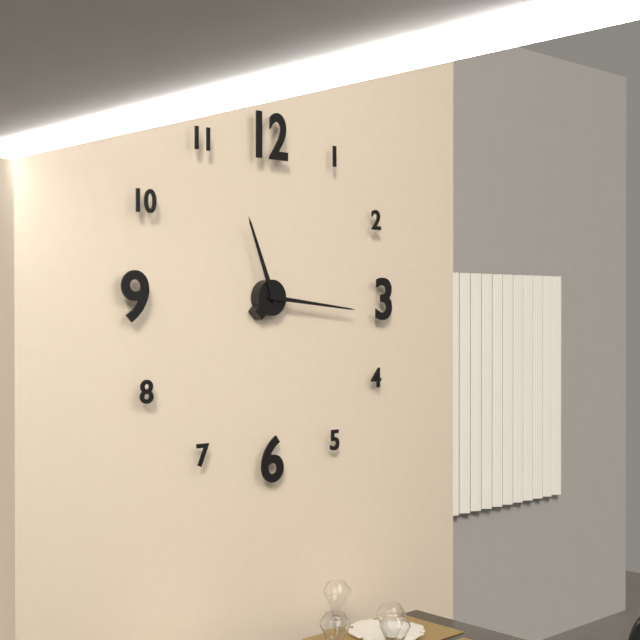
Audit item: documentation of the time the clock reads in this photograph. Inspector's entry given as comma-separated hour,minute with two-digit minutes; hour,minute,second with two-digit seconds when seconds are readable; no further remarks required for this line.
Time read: 11,16
